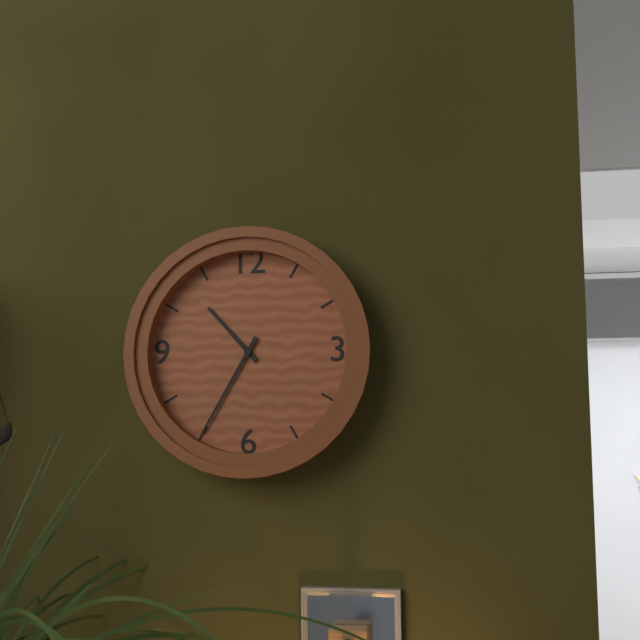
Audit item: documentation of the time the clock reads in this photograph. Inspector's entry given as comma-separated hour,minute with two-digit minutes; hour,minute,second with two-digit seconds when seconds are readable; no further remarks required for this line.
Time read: 10,35
